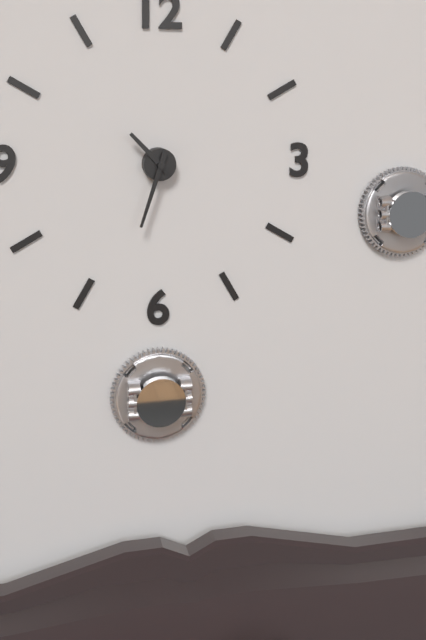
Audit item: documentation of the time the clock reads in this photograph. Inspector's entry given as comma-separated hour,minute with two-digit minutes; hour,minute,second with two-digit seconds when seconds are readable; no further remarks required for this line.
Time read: 10,33
